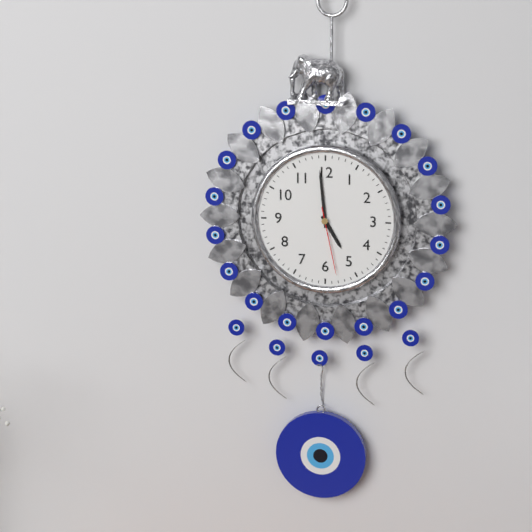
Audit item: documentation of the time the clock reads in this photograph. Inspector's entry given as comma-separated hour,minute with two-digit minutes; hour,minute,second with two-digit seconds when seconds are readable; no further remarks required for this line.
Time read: 4,59,28
